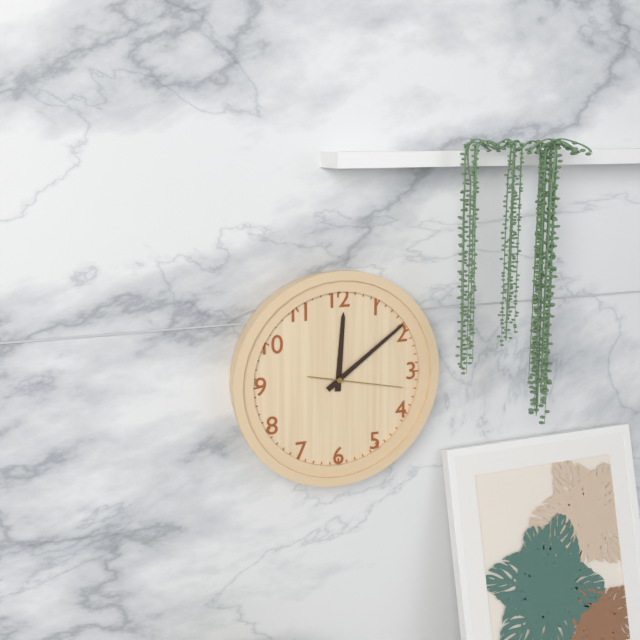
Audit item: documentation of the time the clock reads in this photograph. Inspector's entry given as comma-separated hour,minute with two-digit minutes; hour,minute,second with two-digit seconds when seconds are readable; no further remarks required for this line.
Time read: 12,09,17
